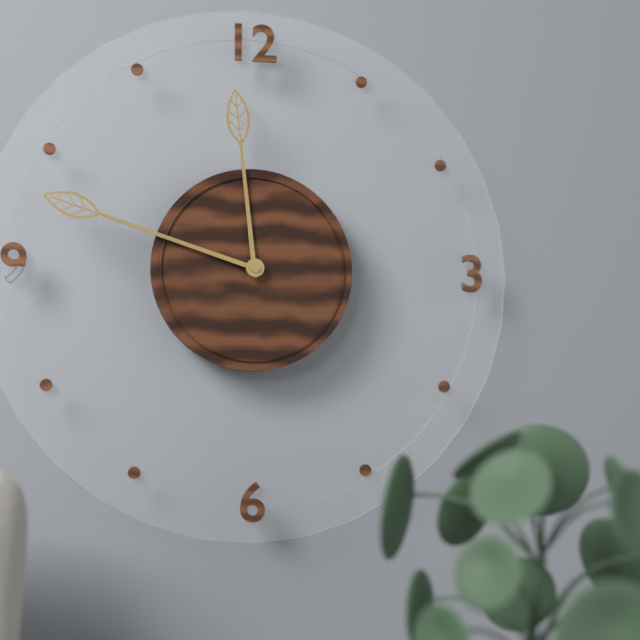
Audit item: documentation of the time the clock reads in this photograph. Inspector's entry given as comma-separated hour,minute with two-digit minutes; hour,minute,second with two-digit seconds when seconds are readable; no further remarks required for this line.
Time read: 11,48
